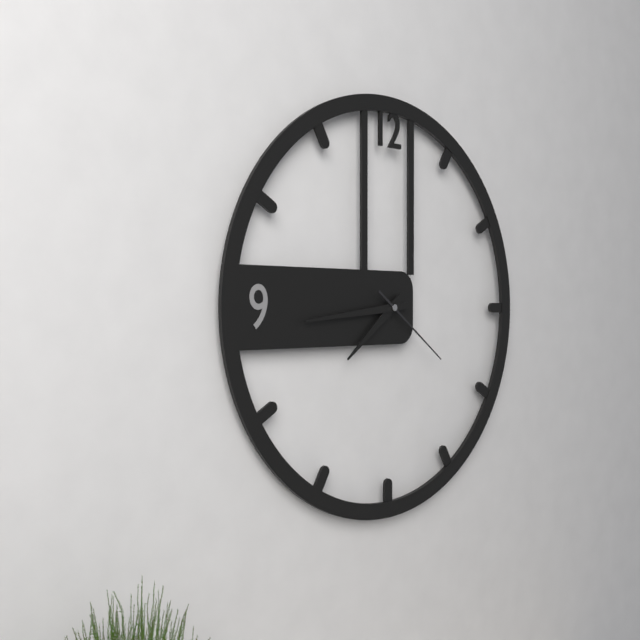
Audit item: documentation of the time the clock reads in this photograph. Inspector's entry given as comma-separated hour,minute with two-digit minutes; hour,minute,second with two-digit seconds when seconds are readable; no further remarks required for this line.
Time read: 7,44,21
